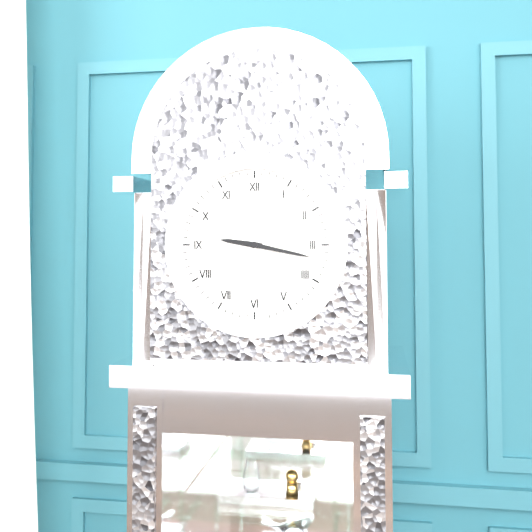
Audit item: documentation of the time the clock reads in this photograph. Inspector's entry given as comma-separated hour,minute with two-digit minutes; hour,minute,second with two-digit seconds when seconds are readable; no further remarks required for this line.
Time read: 9,17
